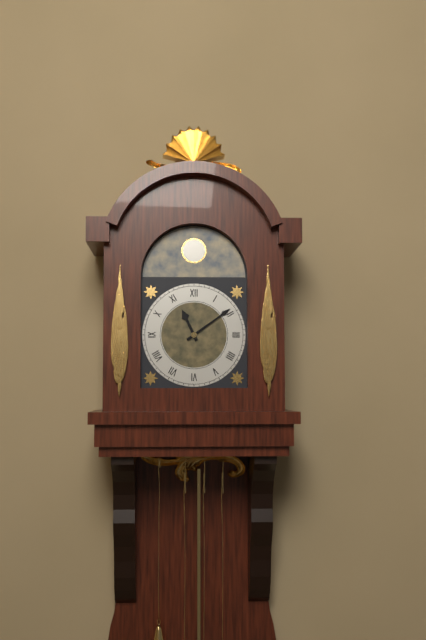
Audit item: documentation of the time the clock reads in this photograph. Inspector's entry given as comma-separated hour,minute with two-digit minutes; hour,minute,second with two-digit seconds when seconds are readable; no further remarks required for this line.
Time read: 11,09
